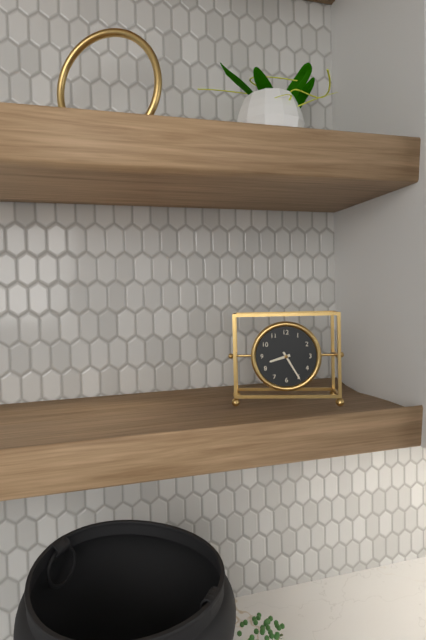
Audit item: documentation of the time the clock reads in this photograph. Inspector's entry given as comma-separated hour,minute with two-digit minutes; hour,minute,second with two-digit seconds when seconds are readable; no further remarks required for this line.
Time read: 8,25
